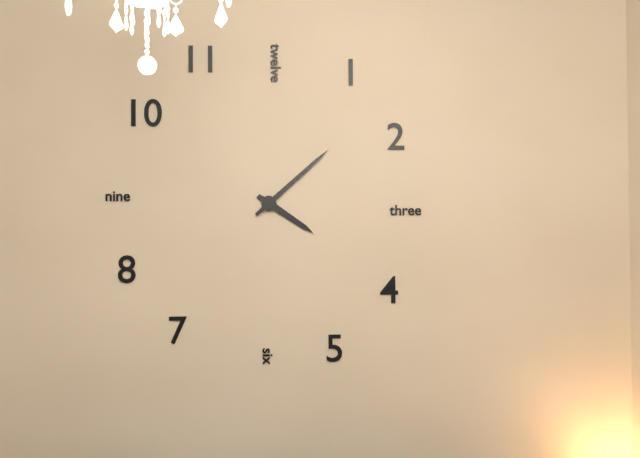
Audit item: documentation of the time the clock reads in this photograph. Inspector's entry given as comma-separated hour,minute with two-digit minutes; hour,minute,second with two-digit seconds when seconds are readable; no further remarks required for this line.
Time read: 4,08
